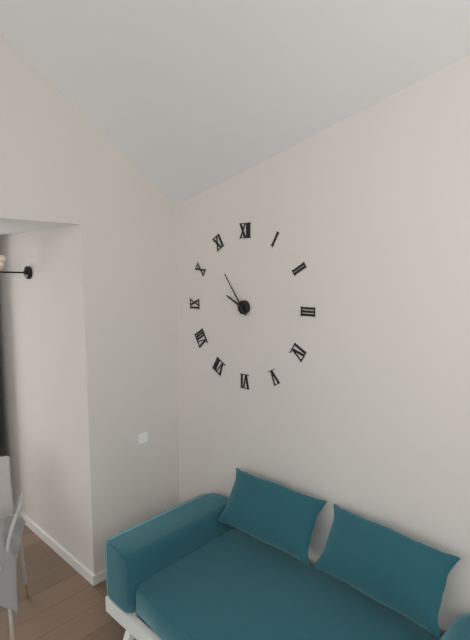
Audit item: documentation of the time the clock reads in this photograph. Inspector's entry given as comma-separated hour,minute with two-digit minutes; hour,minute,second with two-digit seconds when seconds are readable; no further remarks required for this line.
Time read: 9,54
